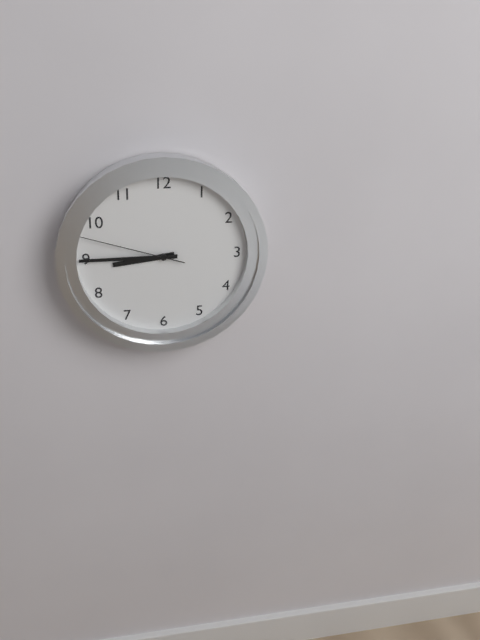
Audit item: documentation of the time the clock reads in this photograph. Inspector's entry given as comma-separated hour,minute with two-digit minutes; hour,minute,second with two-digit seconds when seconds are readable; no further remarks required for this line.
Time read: 8,45,48
